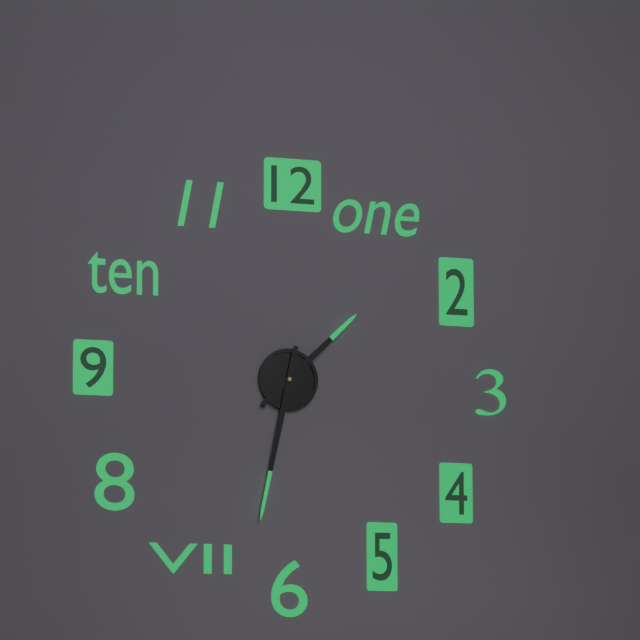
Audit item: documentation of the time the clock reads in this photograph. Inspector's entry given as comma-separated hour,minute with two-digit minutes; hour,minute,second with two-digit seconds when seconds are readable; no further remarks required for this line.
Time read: 1,32
